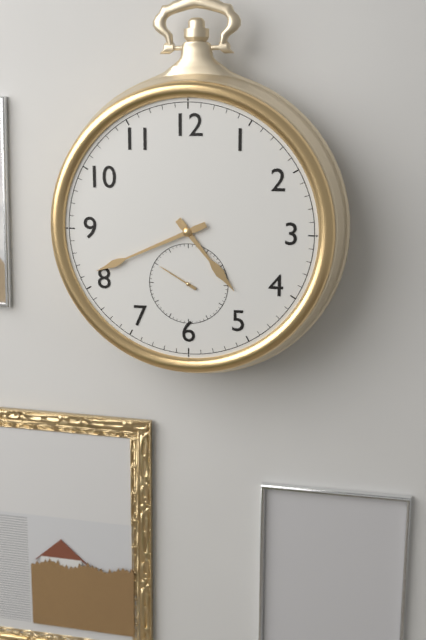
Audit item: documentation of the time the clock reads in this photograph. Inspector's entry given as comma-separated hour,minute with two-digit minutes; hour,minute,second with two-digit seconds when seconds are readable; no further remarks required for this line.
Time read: 4,41
